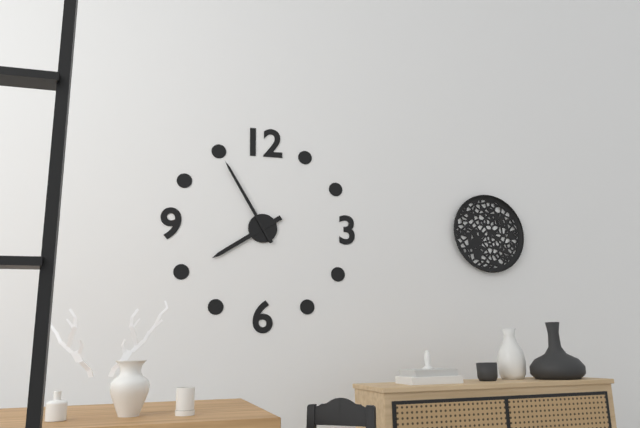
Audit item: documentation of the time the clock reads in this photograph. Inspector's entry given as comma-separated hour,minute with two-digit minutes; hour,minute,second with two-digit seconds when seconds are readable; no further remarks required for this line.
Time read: 7,55
